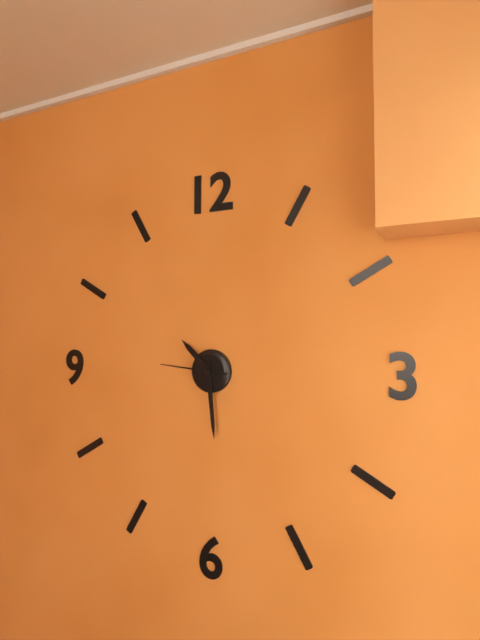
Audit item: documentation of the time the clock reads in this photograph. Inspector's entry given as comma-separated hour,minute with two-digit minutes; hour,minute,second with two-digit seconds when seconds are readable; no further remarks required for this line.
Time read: 10,29,46
